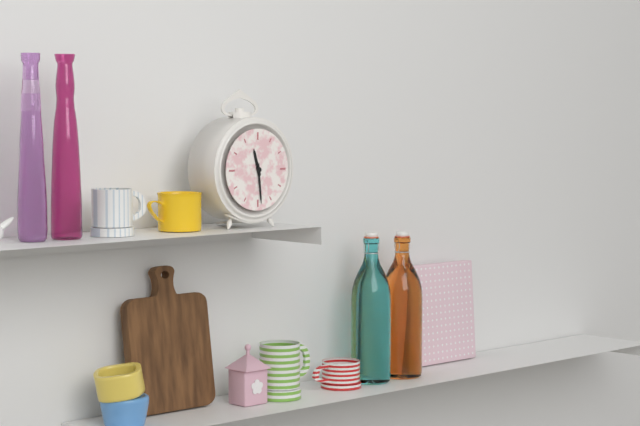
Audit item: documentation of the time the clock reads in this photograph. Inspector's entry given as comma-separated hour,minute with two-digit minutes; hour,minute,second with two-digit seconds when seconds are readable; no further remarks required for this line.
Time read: 11,29
